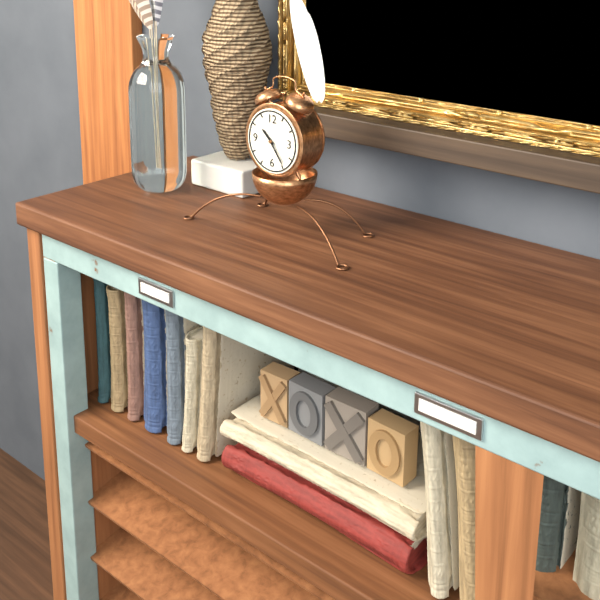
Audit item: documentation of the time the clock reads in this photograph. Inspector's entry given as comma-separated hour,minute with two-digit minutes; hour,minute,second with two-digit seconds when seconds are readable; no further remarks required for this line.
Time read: 10,24
